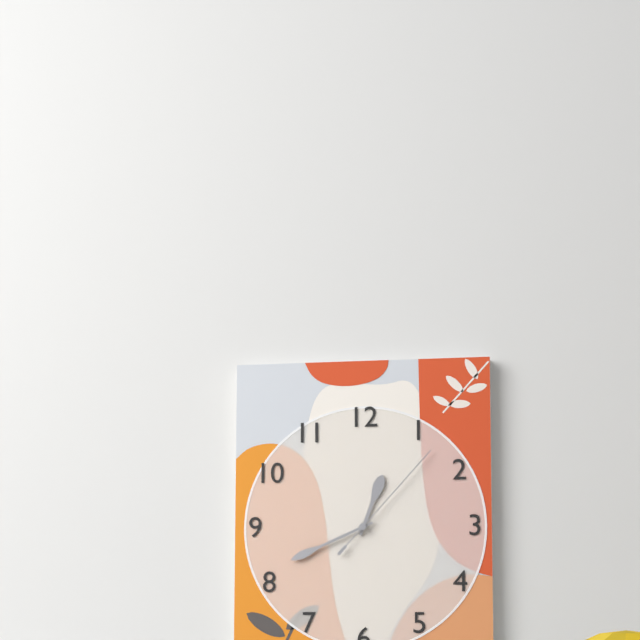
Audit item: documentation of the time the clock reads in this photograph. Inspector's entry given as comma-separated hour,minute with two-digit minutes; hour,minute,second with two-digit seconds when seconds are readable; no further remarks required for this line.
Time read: 12,41,07
